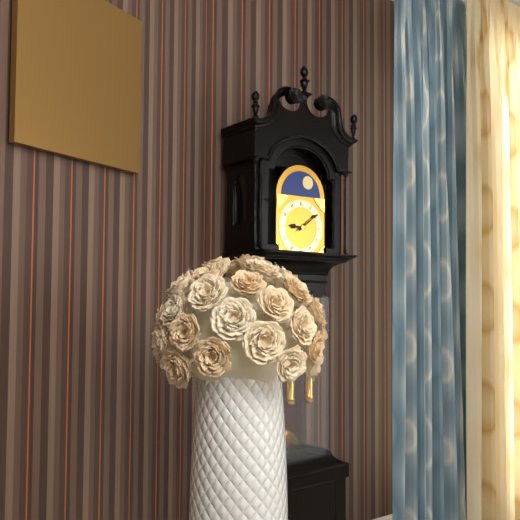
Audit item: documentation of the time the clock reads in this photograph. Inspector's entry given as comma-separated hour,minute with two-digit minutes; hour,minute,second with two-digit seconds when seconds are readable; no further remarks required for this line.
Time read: 9,09
